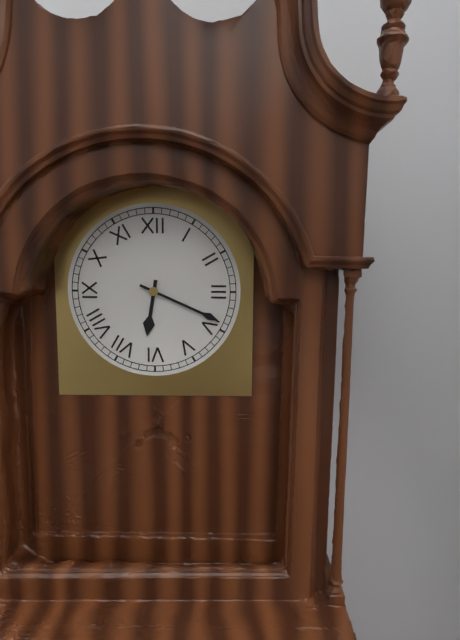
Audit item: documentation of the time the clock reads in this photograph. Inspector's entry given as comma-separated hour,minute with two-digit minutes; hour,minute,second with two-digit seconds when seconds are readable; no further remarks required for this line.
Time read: 6,19
